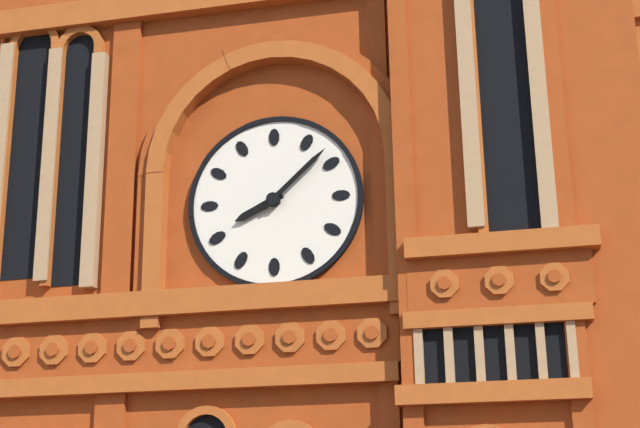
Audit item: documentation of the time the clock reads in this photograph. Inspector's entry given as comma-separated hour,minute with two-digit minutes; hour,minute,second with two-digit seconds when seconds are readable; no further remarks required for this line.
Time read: 8,08
